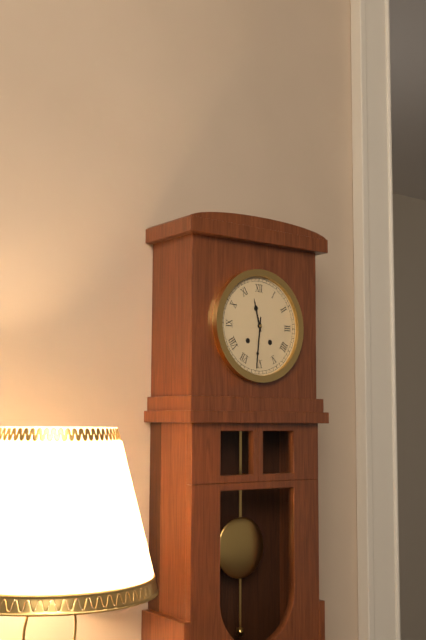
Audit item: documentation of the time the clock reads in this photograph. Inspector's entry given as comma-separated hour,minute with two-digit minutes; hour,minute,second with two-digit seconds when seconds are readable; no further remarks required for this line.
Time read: 11,31
